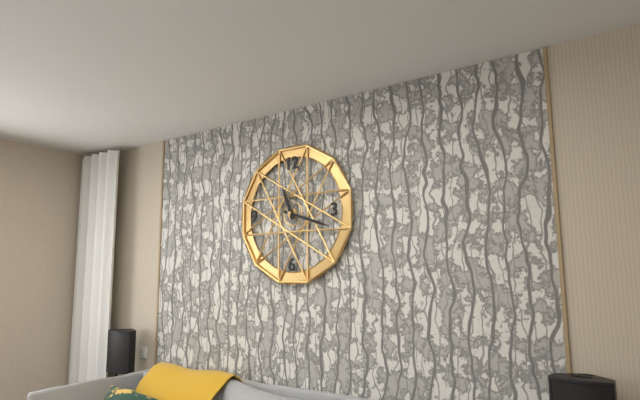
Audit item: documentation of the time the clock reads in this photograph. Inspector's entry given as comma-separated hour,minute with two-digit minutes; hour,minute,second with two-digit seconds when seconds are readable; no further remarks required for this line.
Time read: 11,18
